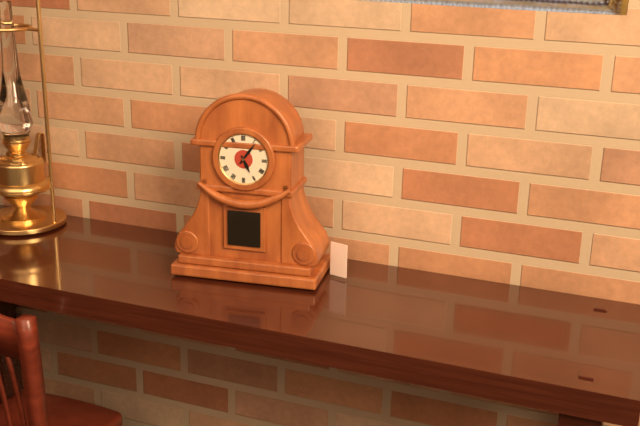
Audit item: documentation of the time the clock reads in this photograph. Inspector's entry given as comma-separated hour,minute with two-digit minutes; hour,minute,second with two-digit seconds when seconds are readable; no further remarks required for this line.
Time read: 5,06
